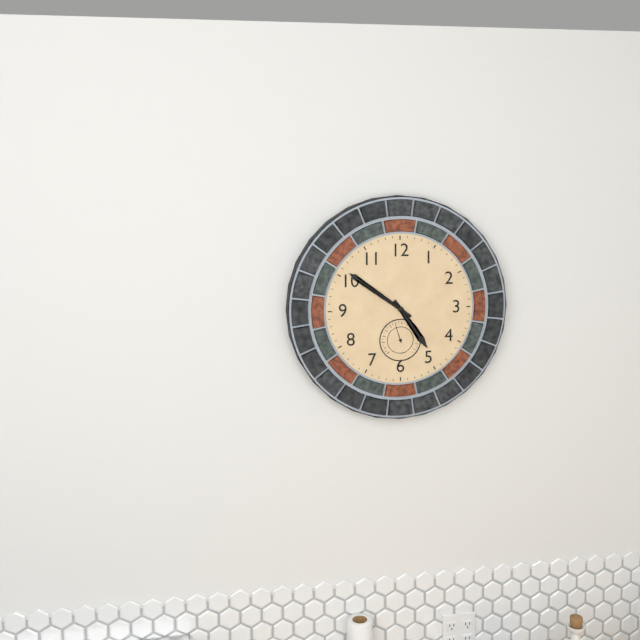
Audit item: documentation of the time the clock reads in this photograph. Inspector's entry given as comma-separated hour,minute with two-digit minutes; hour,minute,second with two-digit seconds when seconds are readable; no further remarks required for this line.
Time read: 4,51
